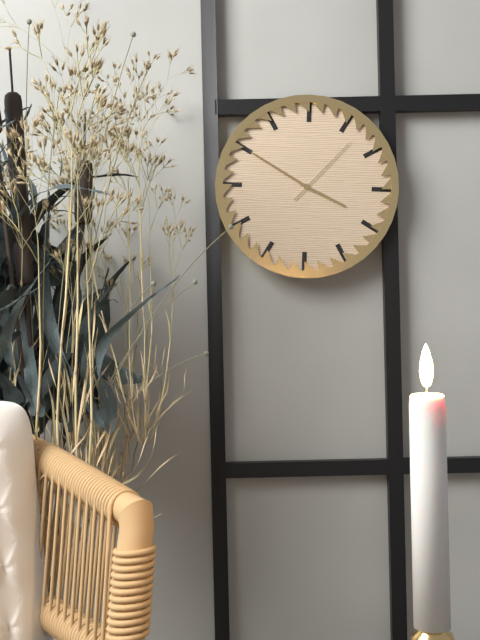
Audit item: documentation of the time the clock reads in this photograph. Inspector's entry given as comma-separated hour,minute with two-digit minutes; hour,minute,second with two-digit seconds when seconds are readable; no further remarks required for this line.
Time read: 3,50,07
